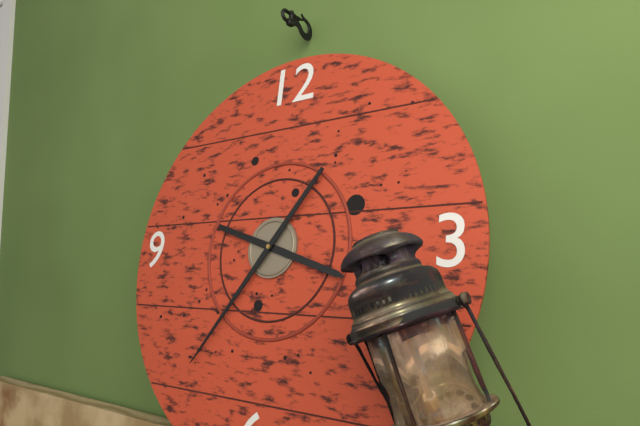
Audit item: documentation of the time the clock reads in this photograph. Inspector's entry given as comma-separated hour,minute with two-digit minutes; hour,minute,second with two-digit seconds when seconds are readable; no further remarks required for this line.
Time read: 3,36
